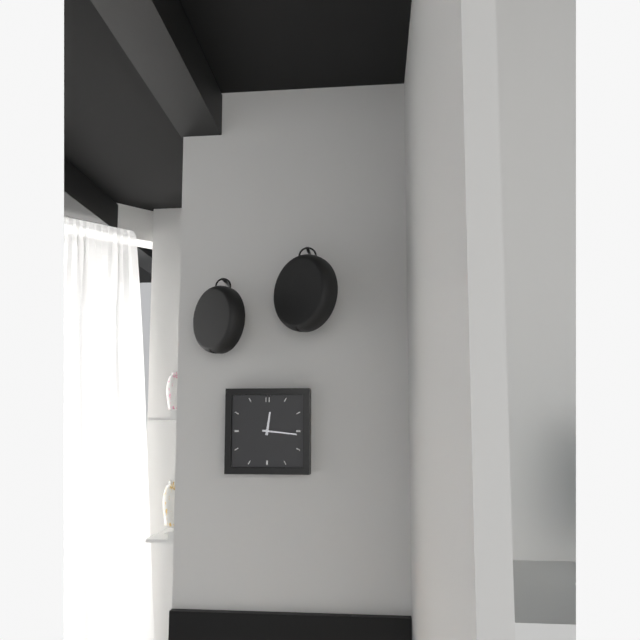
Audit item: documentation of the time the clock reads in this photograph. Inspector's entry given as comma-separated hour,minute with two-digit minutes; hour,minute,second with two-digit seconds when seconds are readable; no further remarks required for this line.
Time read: 12,16
